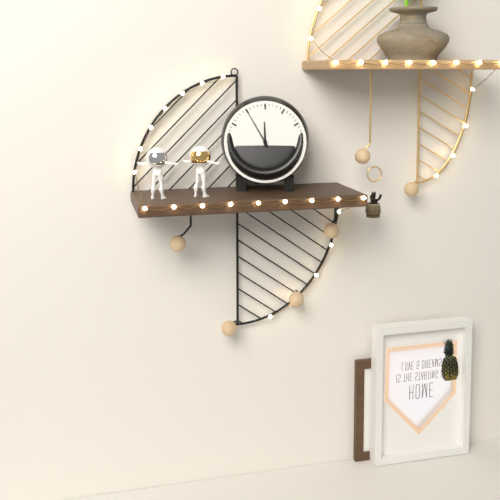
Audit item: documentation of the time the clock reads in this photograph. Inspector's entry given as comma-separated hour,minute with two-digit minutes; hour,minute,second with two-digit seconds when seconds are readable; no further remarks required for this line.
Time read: 11,55
